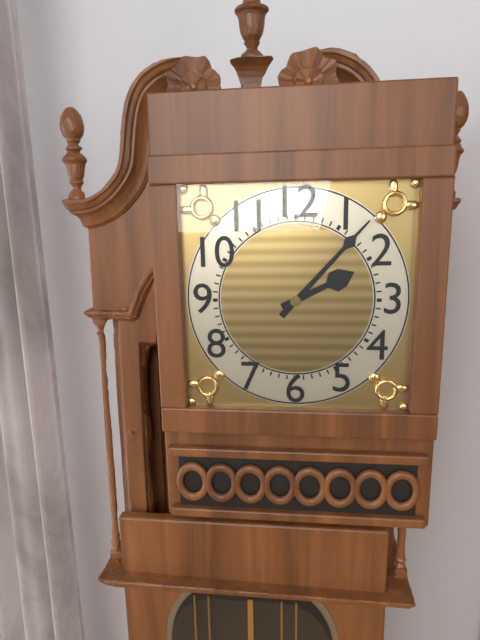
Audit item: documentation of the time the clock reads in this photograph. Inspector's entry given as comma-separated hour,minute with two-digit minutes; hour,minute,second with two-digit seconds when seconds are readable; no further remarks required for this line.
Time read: 2,07
